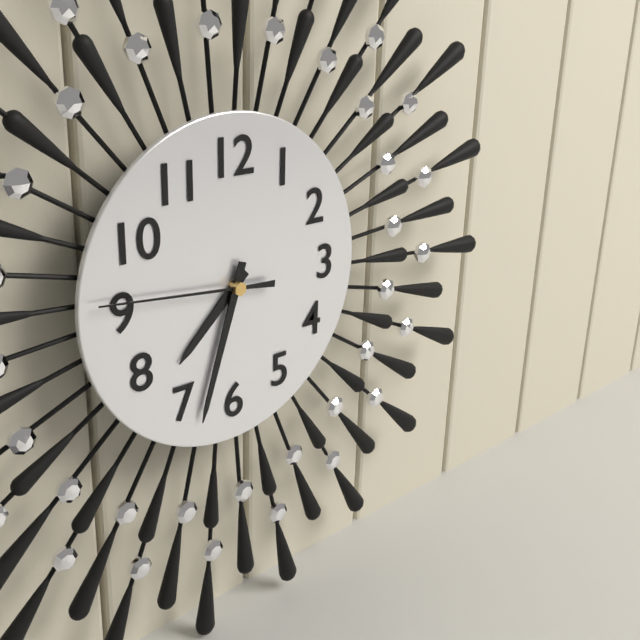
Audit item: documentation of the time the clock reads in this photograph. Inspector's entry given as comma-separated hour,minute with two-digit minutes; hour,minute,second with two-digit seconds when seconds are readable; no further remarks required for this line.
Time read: 7,33,46
